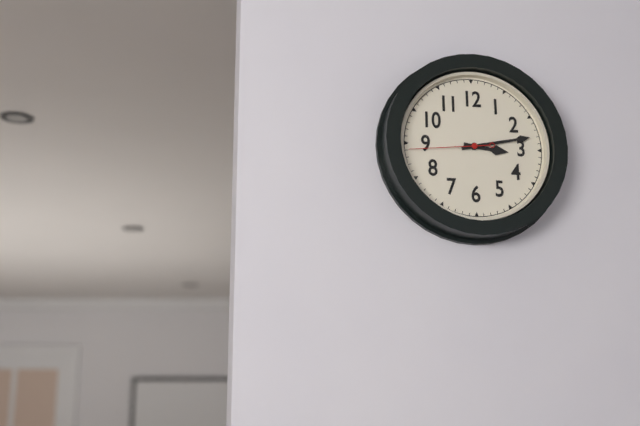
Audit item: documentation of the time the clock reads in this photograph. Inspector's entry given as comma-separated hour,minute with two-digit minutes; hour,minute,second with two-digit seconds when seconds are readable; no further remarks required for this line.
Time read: 3,13,44
